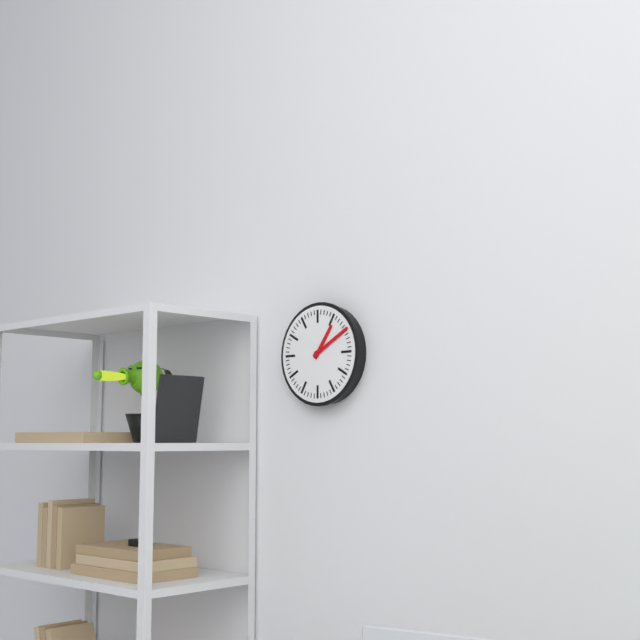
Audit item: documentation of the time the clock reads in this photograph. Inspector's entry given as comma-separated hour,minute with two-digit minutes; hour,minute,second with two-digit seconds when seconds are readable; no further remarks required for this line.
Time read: 1,10
